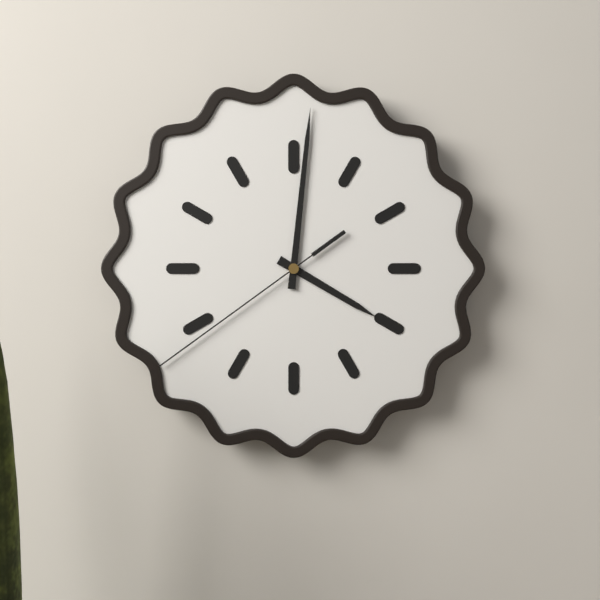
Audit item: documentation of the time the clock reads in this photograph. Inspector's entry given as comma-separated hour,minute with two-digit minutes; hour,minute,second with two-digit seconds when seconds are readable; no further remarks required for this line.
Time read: 4,01,39
